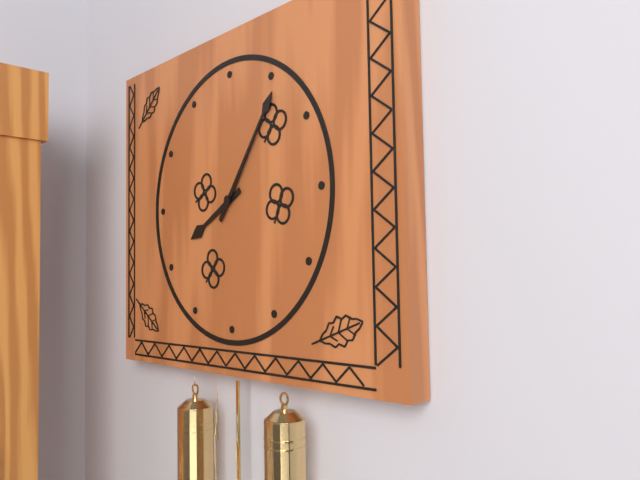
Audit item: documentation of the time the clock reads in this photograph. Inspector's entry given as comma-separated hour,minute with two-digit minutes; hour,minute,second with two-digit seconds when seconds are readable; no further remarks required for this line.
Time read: 8,06
